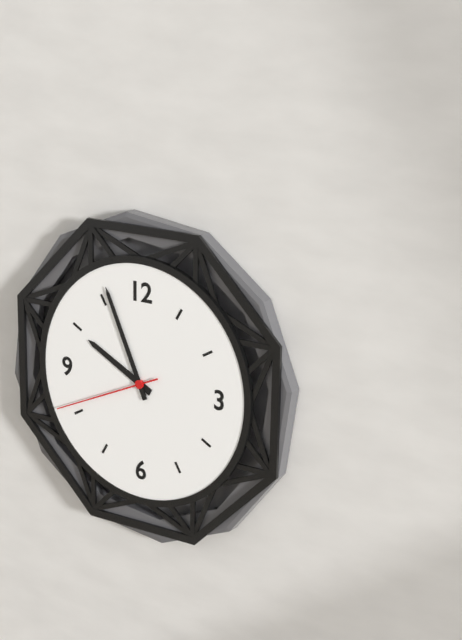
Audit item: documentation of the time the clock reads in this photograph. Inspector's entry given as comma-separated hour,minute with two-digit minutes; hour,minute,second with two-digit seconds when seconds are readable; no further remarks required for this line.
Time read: 9,56,41
